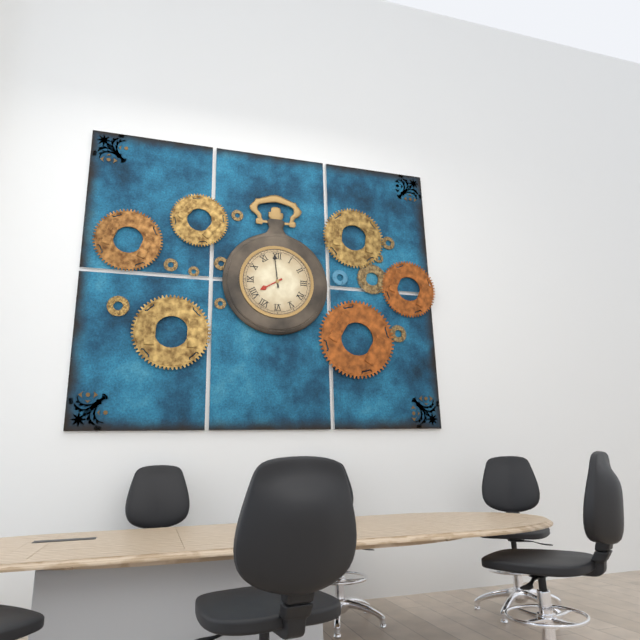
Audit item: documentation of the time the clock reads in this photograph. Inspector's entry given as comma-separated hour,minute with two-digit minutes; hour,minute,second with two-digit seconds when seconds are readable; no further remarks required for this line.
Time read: 7,59
